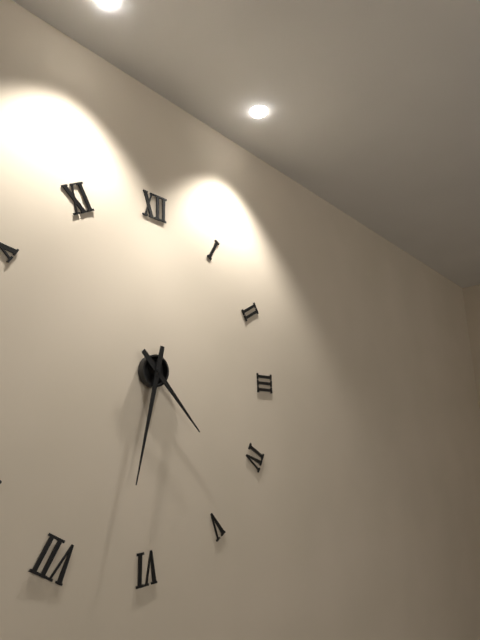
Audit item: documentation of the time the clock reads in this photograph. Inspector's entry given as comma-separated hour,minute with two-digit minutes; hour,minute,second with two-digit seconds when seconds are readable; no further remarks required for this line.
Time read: 4,32
